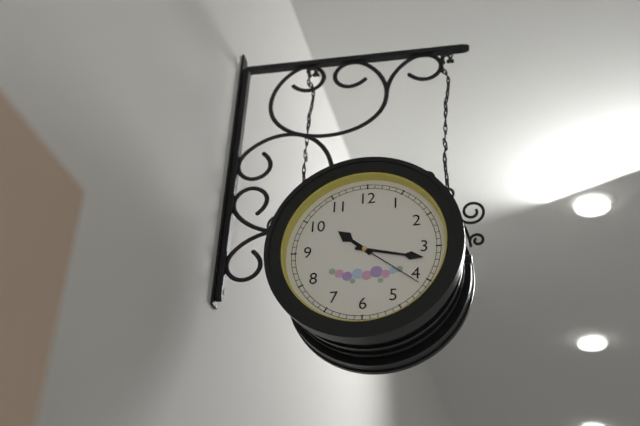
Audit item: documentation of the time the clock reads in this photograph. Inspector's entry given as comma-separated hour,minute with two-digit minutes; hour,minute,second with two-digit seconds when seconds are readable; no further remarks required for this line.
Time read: 10,17,21
